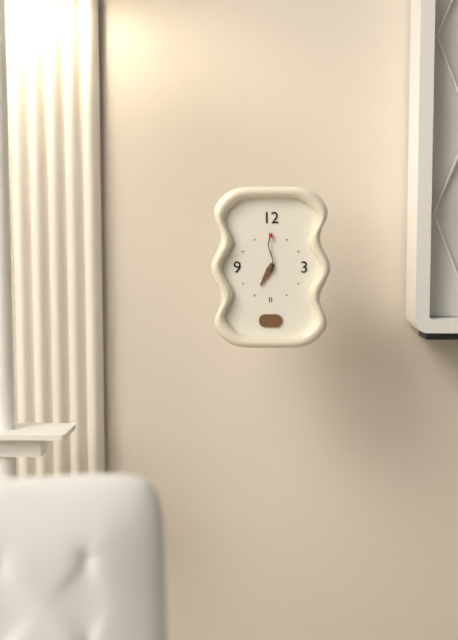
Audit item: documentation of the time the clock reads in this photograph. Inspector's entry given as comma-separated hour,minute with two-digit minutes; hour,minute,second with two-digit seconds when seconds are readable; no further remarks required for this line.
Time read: 7,00
